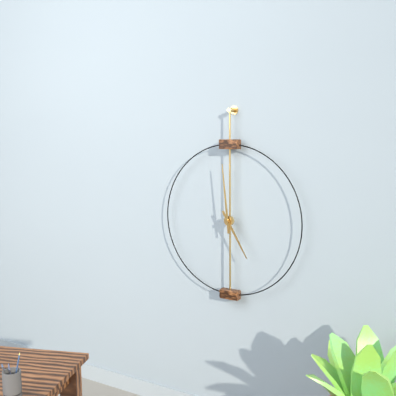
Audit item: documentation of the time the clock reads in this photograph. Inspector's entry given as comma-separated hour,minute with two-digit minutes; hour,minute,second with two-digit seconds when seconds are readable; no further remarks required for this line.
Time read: 4,59
